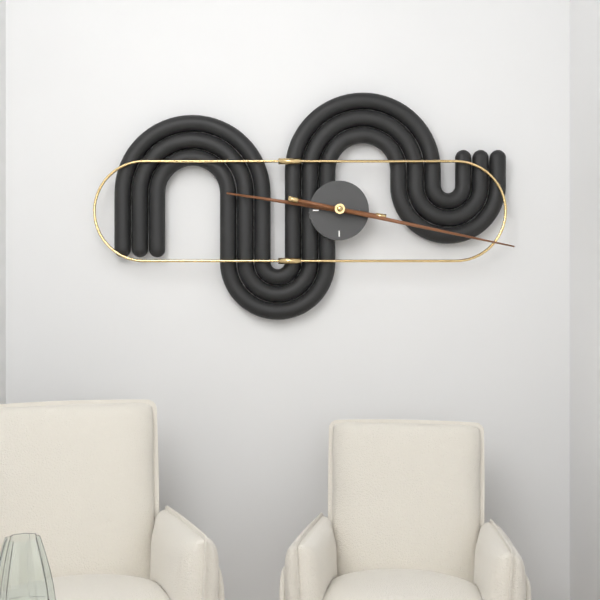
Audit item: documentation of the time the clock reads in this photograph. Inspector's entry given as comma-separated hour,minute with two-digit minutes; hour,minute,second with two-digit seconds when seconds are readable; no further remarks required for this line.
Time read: 9,17
